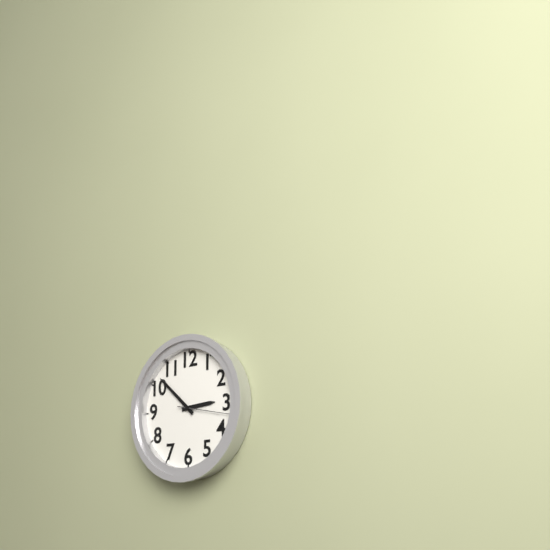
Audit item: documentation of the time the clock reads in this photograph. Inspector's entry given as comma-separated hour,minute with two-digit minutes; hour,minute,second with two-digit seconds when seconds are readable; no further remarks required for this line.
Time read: 2,52
